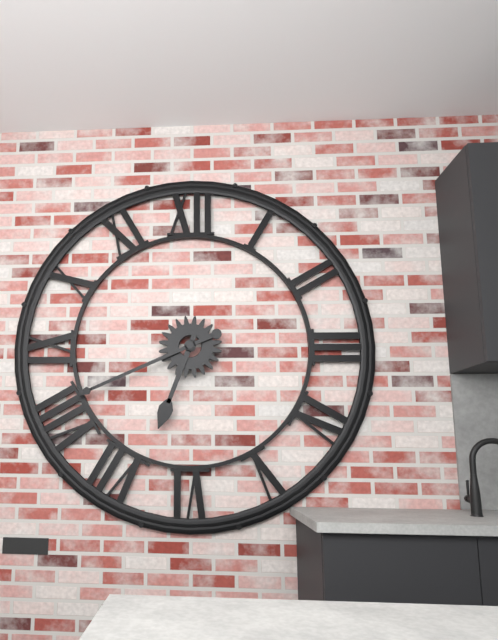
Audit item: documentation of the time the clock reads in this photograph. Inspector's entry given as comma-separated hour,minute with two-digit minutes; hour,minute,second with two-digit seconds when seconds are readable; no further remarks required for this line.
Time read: 6,41
